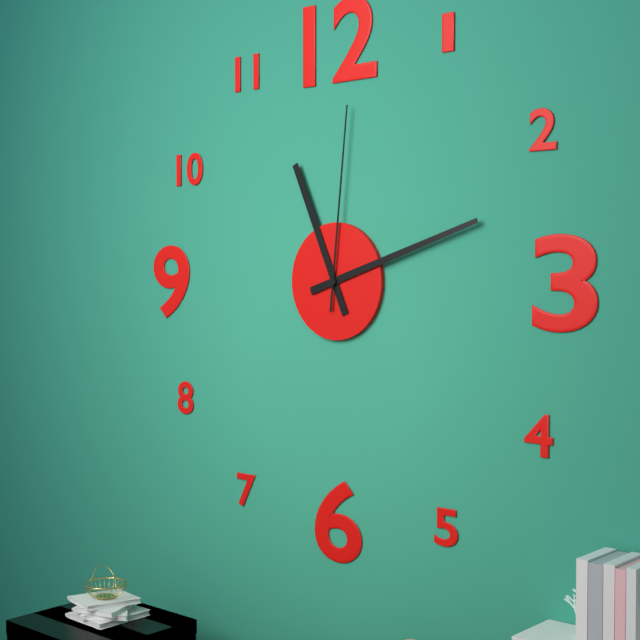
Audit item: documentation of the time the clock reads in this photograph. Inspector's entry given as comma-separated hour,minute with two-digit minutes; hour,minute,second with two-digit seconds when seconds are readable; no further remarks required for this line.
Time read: 11,12,01
